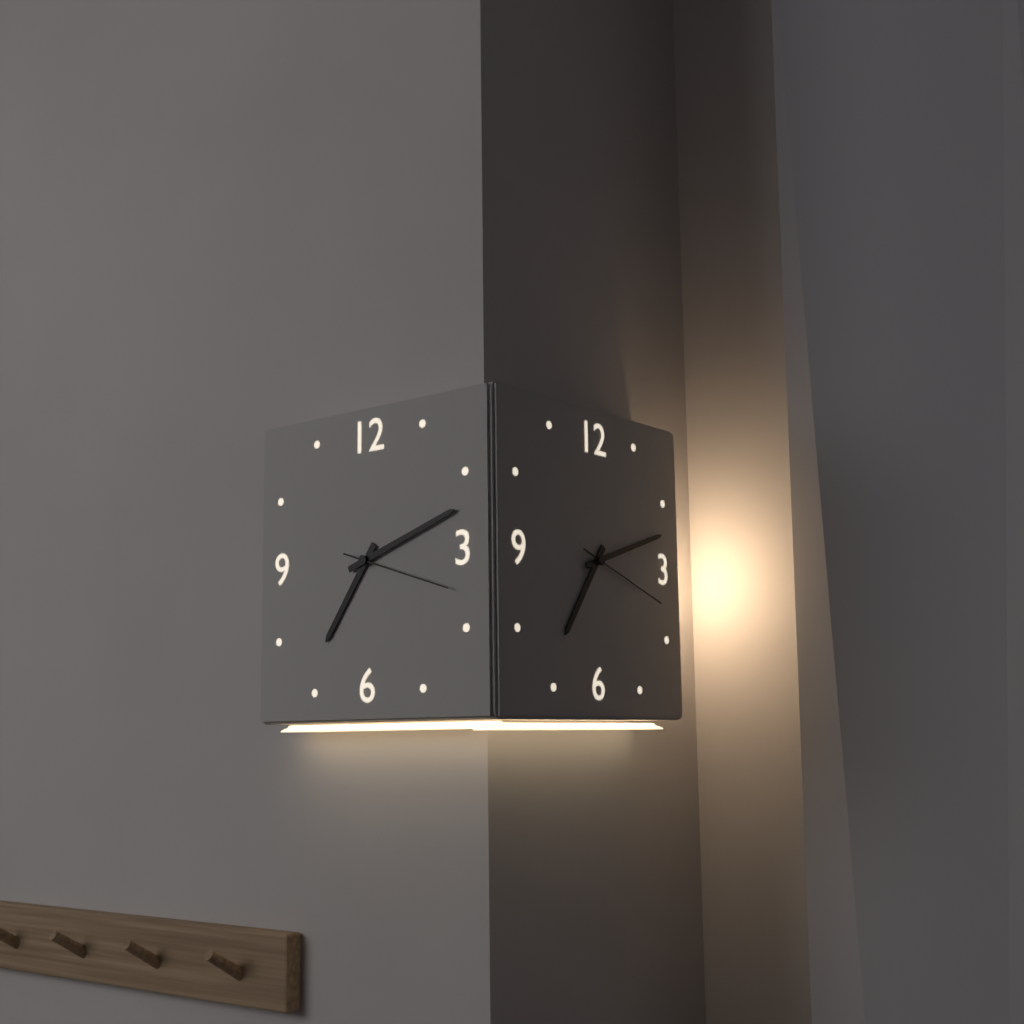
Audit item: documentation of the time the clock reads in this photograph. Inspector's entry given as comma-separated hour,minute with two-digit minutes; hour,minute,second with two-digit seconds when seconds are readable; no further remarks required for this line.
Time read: 7,12,18
